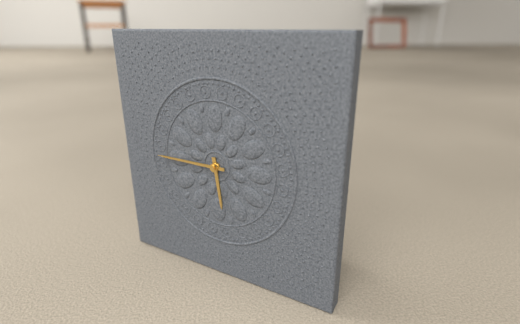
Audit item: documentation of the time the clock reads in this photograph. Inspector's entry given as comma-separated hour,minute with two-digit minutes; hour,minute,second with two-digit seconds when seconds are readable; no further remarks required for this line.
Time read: 5,45
